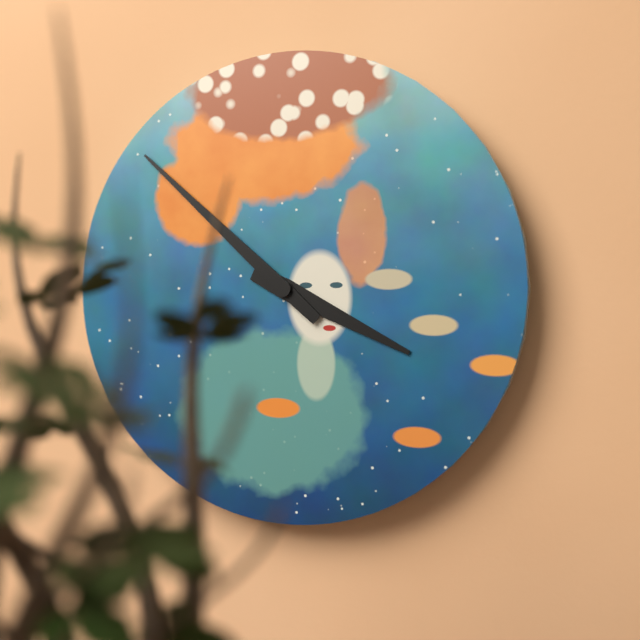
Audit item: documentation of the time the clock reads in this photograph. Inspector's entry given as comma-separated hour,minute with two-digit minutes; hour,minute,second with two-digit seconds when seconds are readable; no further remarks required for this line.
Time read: 3,52
